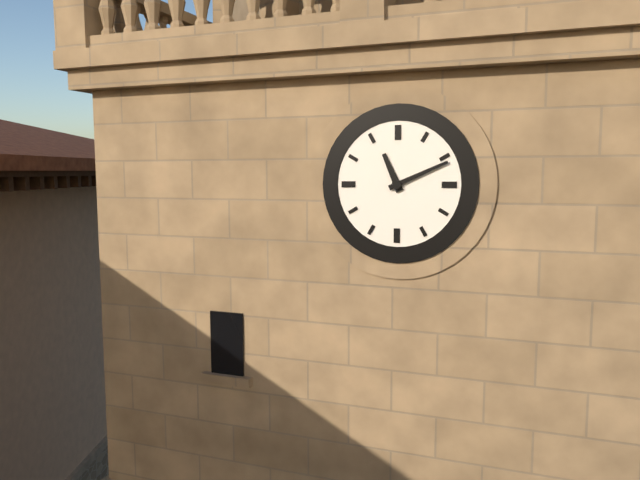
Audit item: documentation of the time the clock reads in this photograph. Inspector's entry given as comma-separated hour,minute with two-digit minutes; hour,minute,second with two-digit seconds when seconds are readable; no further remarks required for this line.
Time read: 11,11
